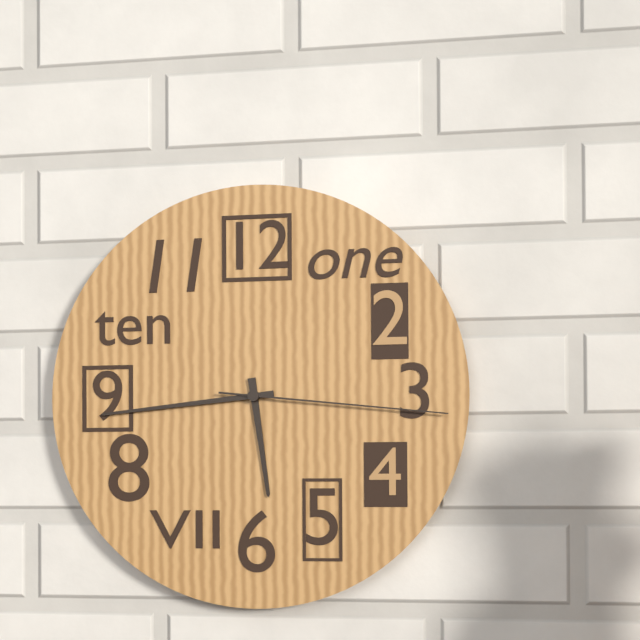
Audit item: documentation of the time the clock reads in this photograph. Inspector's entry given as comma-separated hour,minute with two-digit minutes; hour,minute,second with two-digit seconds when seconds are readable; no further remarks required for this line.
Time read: 5,44,16
